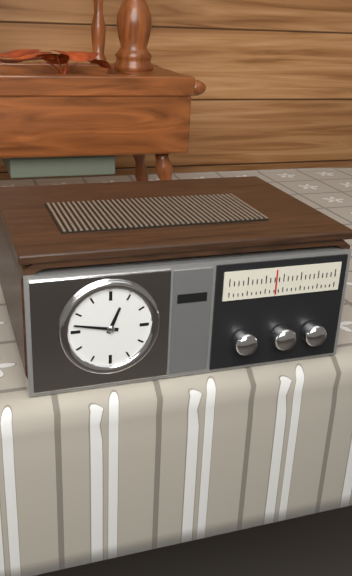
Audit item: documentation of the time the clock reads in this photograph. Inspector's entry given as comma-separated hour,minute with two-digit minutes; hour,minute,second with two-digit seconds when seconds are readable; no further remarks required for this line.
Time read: 12,47
